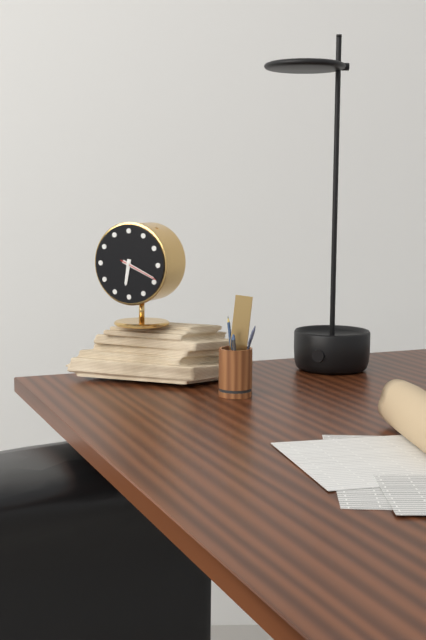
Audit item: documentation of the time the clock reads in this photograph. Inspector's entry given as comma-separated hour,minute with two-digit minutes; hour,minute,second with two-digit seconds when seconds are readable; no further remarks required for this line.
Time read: 6,19
